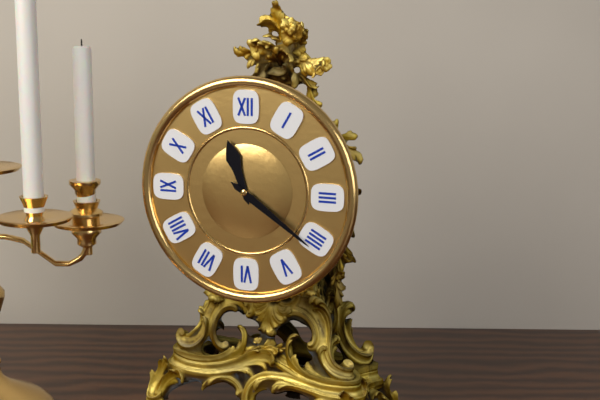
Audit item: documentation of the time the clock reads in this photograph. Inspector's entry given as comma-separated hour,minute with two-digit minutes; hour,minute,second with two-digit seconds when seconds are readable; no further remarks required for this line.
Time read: 11,21
